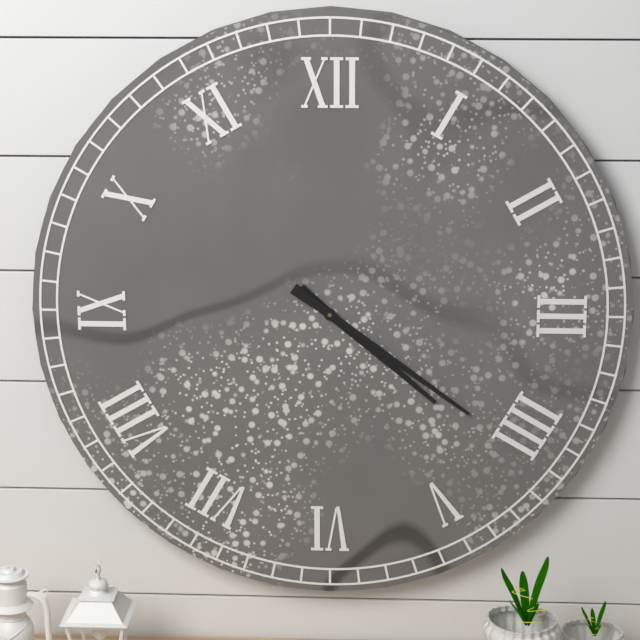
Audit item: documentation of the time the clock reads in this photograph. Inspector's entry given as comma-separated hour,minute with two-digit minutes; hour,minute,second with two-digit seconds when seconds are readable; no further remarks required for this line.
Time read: 4,21
